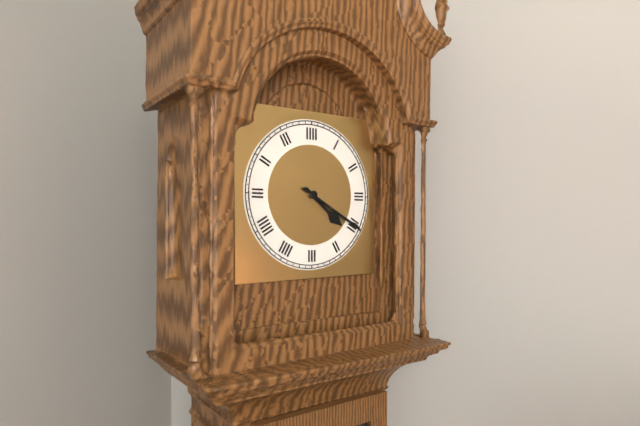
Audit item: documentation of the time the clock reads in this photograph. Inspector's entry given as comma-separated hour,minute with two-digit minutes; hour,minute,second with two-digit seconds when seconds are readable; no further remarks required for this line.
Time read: 4,20
